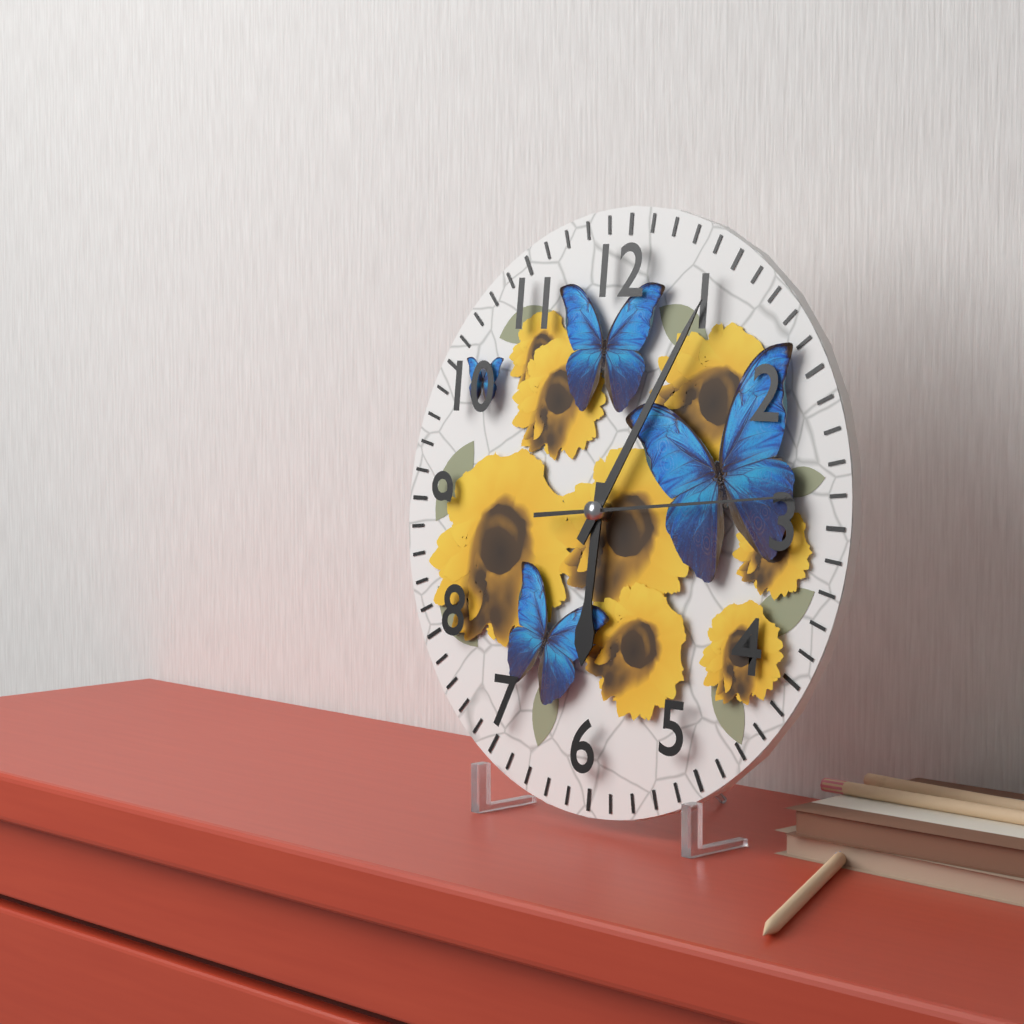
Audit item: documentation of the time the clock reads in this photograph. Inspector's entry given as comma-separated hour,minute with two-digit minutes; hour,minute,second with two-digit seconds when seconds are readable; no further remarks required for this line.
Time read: 6,05,14
